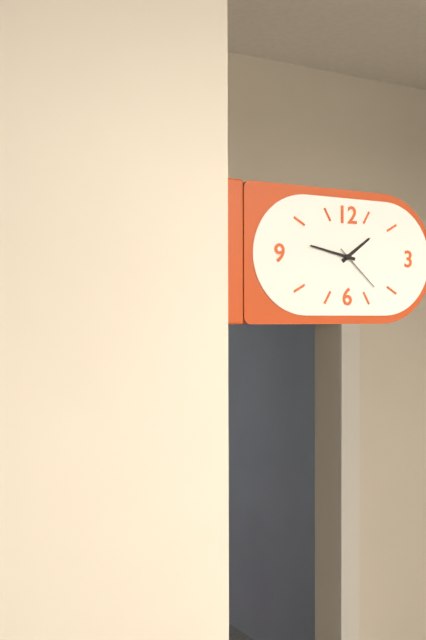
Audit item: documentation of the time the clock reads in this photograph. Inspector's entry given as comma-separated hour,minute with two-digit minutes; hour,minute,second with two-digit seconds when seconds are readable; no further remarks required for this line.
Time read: 1,47
